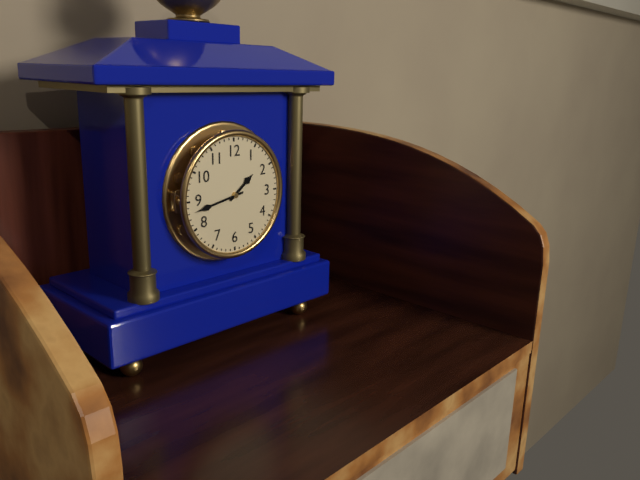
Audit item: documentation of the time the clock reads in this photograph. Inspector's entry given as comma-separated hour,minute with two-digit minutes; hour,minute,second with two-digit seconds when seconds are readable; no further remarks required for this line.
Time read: 1,43
